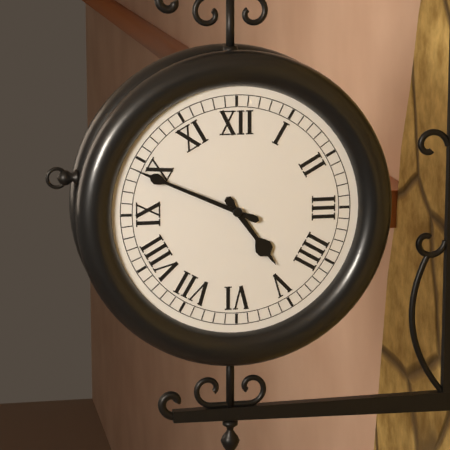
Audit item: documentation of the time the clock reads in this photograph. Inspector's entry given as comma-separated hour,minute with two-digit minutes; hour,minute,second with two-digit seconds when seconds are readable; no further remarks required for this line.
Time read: 4,49
